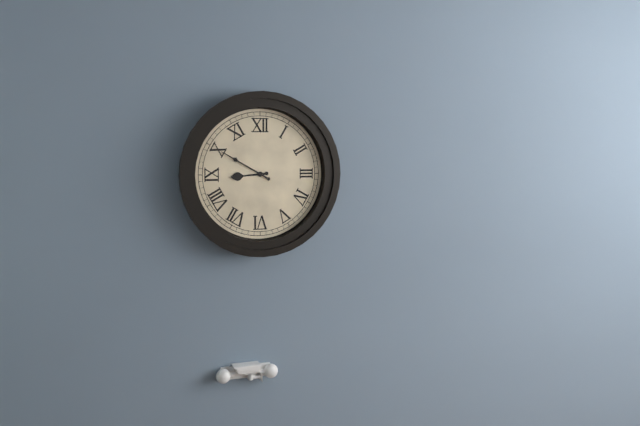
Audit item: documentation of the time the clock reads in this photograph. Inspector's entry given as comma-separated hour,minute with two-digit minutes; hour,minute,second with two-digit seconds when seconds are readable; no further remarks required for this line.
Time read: 8,50
